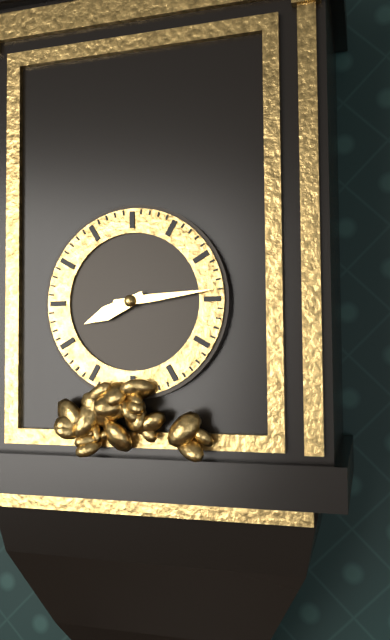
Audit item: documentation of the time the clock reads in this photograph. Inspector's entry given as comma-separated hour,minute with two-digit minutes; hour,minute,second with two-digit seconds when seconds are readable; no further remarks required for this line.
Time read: 8,14
